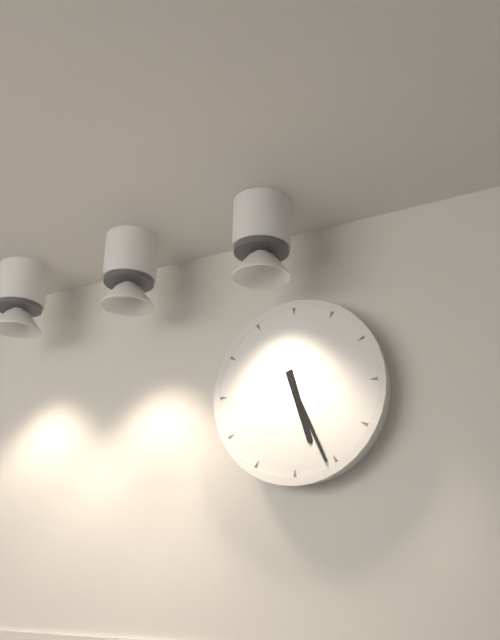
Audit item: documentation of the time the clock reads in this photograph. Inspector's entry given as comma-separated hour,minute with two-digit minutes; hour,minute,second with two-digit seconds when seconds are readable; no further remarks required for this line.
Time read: 5,26
